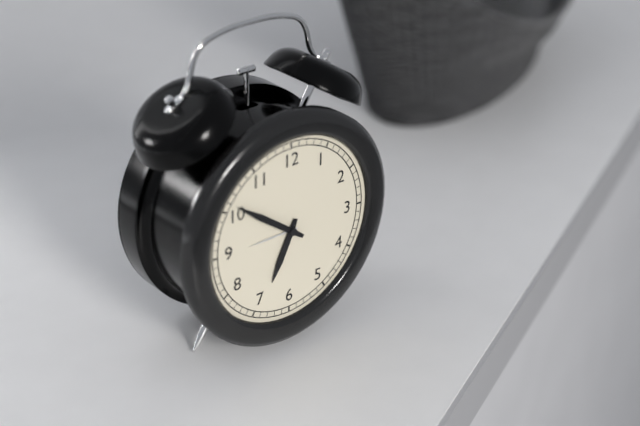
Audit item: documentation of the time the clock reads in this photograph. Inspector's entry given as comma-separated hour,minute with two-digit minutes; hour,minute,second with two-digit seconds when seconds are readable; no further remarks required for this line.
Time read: 6,51
